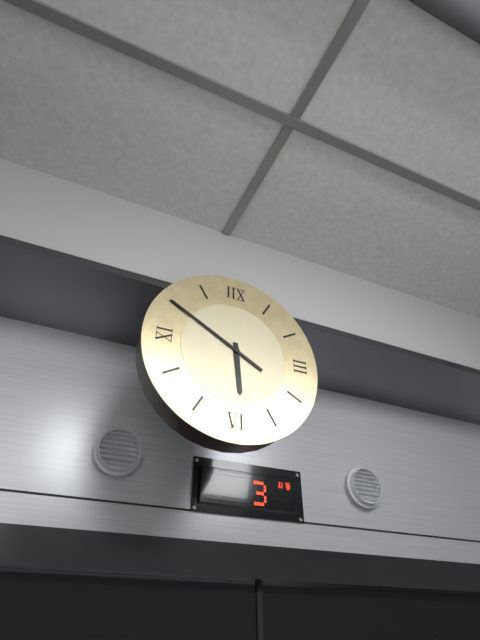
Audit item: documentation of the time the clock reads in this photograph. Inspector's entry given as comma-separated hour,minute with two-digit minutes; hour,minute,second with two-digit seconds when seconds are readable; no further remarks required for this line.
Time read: 5,50
